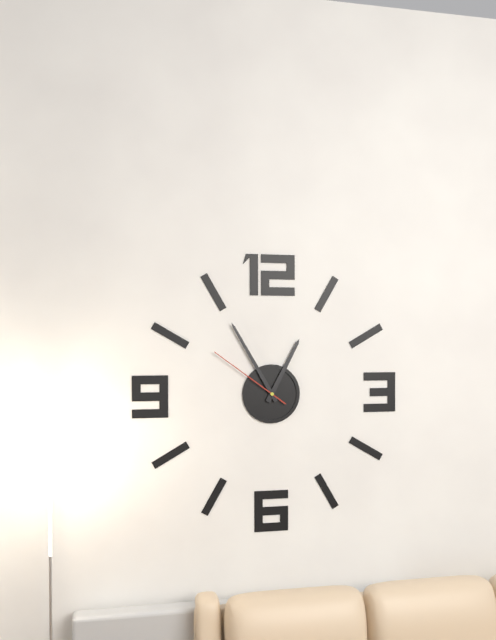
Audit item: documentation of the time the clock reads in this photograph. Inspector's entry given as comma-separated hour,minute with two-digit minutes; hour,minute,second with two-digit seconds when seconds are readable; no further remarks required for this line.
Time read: 12,55,51
